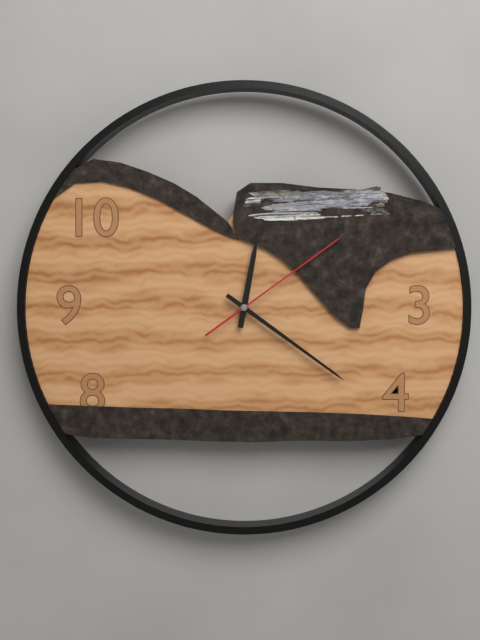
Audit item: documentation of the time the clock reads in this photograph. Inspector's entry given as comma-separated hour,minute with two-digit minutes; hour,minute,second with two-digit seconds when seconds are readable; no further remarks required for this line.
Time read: 12,21,09
